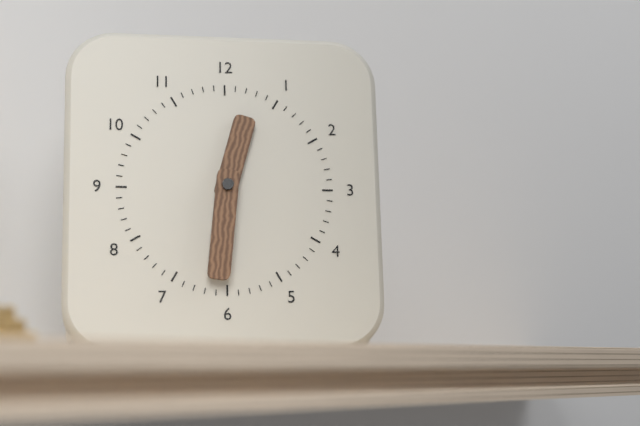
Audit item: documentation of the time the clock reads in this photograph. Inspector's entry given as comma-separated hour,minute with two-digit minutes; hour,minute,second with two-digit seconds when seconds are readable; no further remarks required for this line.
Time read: 12,31
